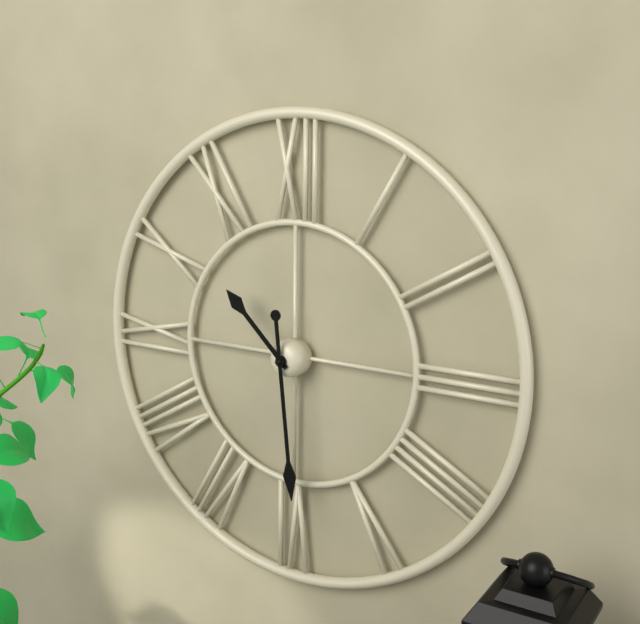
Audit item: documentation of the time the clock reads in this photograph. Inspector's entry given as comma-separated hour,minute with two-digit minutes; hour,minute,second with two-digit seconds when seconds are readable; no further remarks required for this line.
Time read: 10,29
